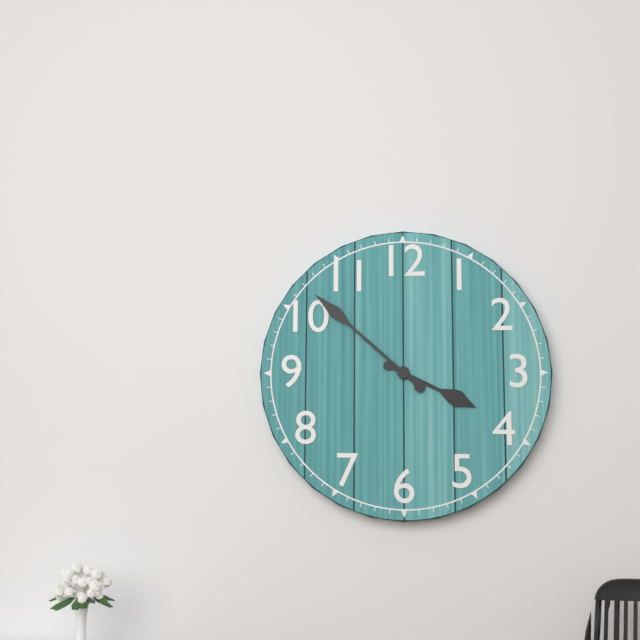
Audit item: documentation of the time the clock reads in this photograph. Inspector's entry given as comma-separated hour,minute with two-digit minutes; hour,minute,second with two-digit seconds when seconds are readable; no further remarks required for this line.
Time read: 3,52
